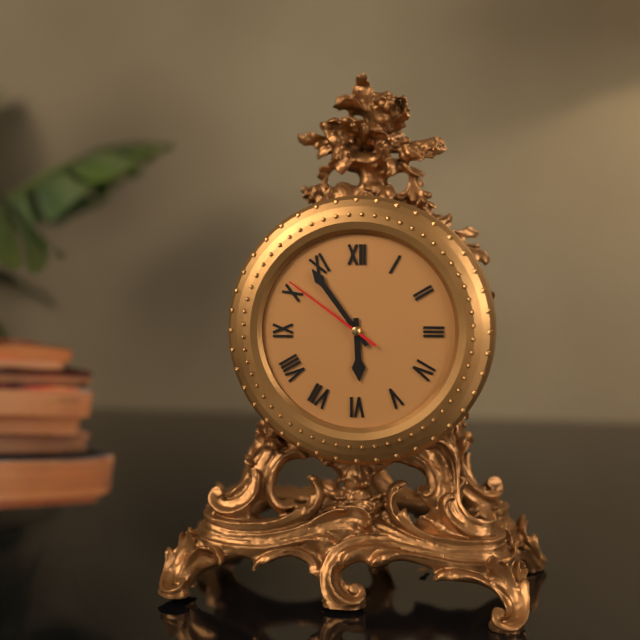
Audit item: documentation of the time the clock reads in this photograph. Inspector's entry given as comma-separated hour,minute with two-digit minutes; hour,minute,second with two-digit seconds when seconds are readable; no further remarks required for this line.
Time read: 5,54,51
